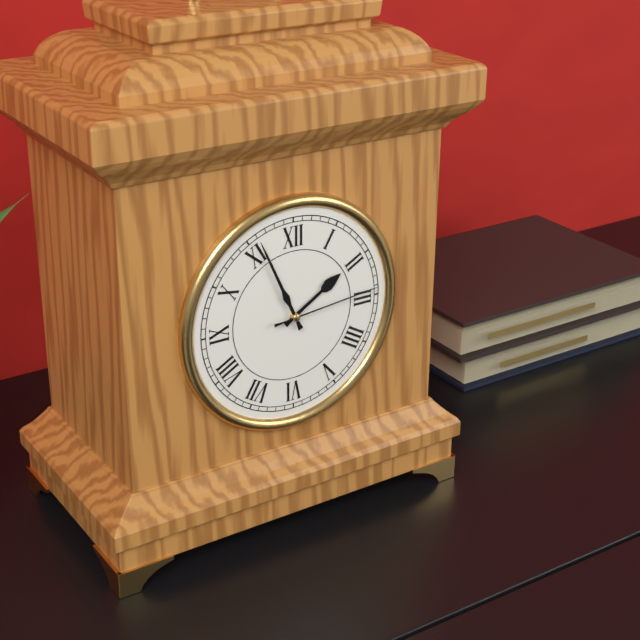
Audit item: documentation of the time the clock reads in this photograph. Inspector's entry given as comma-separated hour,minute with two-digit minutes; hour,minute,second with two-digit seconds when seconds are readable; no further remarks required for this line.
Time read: 1,56,14
